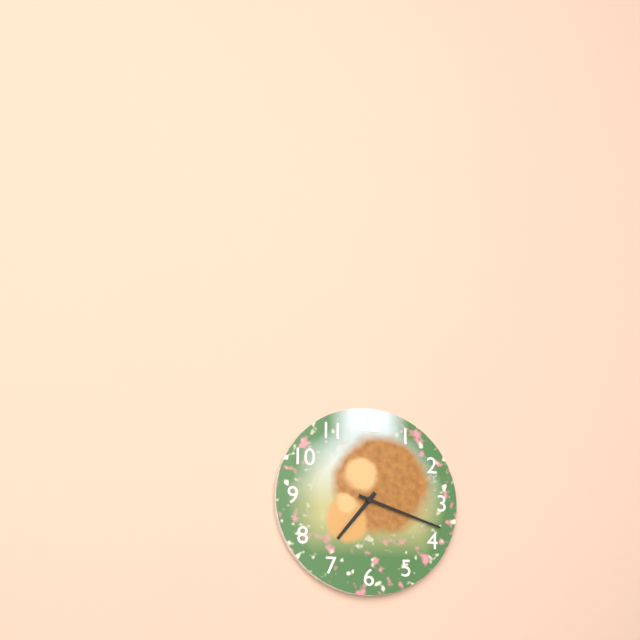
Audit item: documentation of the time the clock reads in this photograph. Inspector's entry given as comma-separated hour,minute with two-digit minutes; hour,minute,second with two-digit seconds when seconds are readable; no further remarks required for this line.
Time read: 7,18
